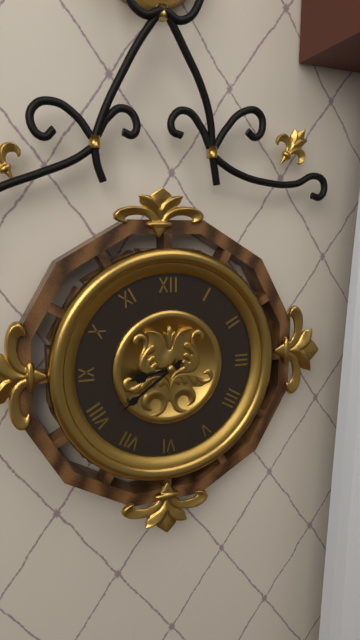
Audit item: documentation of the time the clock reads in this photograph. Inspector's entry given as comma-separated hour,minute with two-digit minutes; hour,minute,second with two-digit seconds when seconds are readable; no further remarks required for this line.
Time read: 8,39
